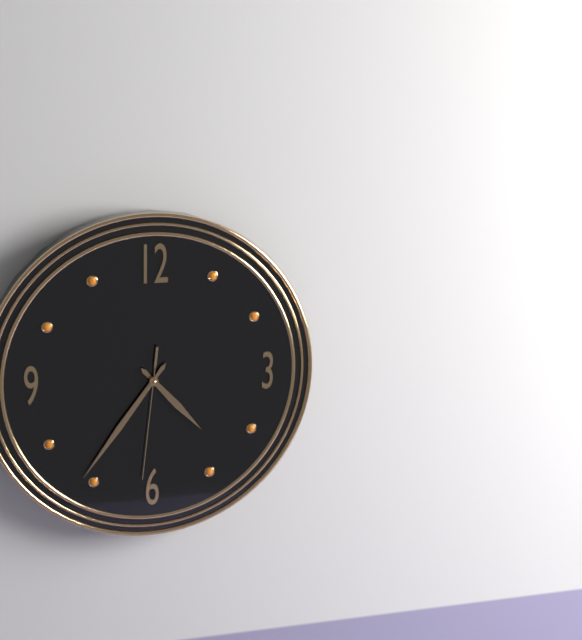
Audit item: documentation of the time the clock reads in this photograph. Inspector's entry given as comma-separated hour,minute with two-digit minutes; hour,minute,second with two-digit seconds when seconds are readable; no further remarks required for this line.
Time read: 4,36,31
